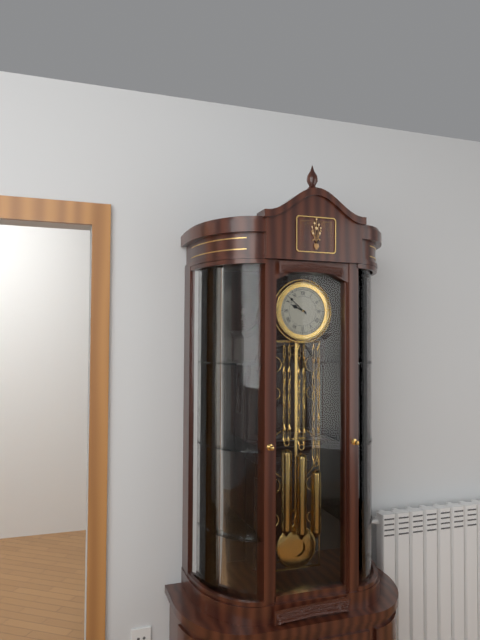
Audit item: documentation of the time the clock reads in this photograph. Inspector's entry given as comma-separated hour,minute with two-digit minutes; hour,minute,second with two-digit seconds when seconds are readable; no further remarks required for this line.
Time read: 9,52
